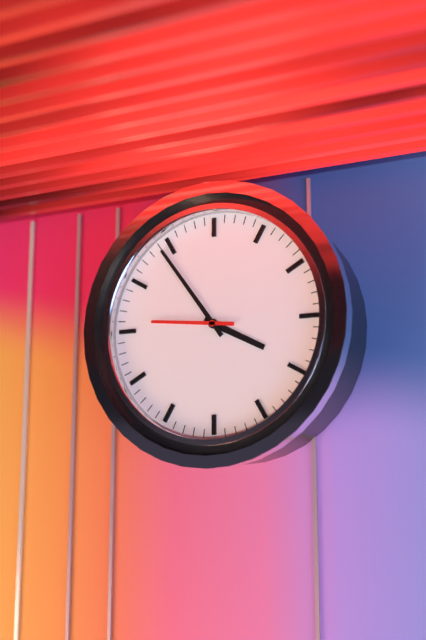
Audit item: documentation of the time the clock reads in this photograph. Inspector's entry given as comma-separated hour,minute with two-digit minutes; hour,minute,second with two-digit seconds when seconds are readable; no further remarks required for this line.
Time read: 3,54,46
